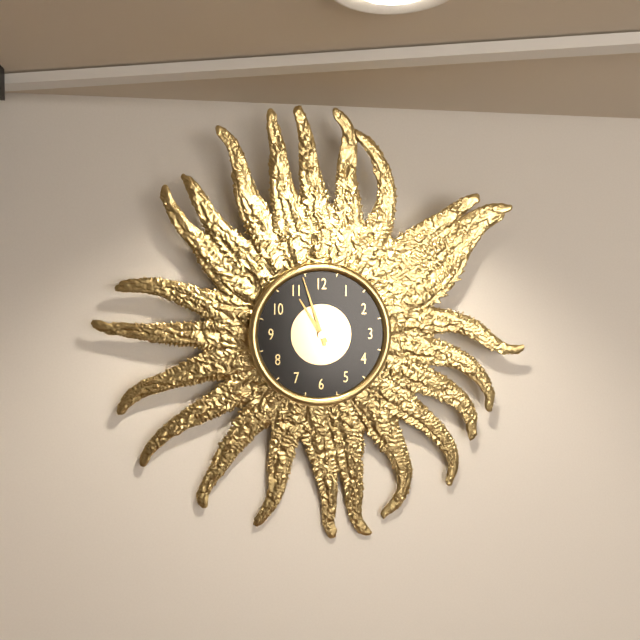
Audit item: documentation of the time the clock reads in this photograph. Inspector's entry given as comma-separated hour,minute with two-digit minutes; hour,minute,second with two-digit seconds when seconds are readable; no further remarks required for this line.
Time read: 10,57
